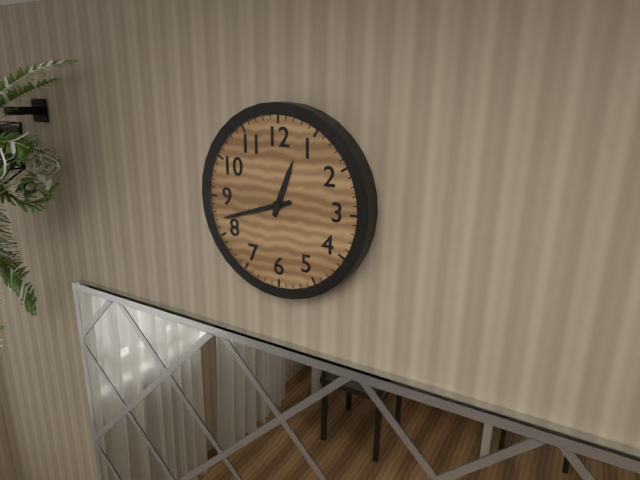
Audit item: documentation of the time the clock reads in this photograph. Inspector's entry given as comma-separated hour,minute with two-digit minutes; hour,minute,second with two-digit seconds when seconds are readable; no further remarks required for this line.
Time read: 12,42
